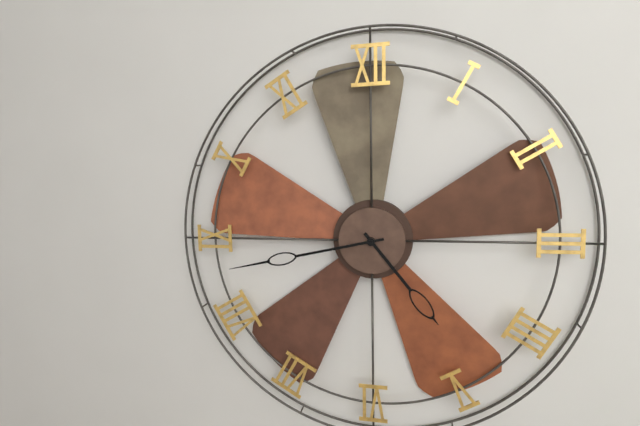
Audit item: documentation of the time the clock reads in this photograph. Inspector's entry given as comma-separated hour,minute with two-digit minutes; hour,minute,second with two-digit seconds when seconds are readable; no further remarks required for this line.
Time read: 4,43
